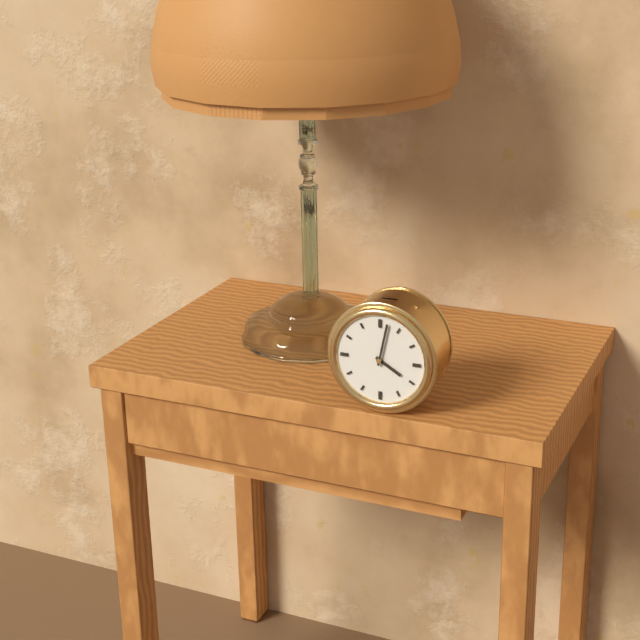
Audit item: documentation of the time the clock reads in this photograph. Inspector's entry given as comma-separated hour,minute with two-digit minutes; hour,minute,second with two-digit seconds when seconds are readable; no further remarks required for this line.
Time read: 4,02
